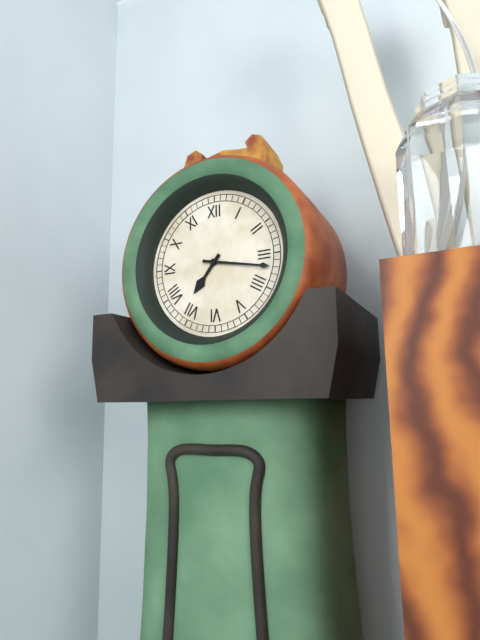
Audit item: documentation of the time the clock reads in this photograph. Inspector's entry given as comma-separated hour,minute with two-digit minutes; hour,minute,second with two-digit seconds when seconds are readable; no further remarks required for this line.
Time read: 7,17
